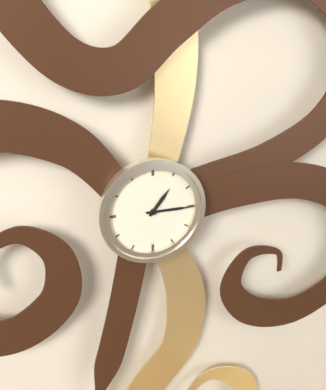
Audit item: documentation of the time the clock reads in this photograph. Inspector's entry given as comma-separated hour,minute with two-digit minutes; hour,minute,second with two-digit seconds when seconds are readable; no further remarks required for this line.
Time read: 1,15
